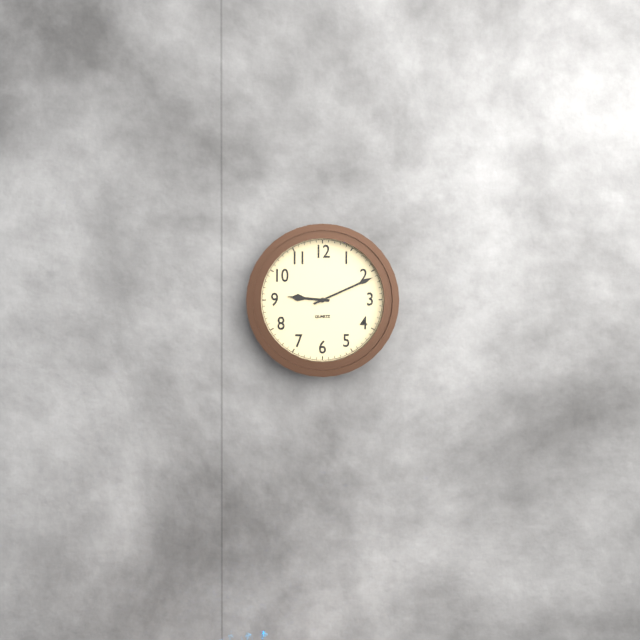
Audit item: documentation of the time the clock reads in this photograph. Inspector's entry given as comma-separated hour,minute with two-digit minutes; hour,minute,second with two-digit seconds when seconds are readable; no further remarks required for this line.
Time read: 9,11
